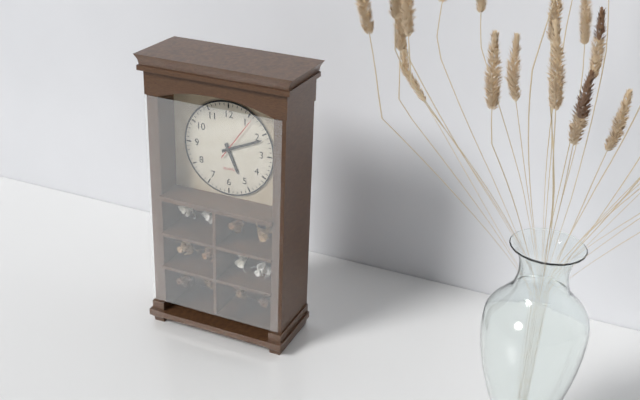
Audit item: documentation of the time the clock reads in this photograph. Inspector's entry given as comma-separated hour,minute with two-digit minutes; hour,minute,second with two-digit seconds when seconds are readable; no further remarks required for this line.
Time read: 5,11
